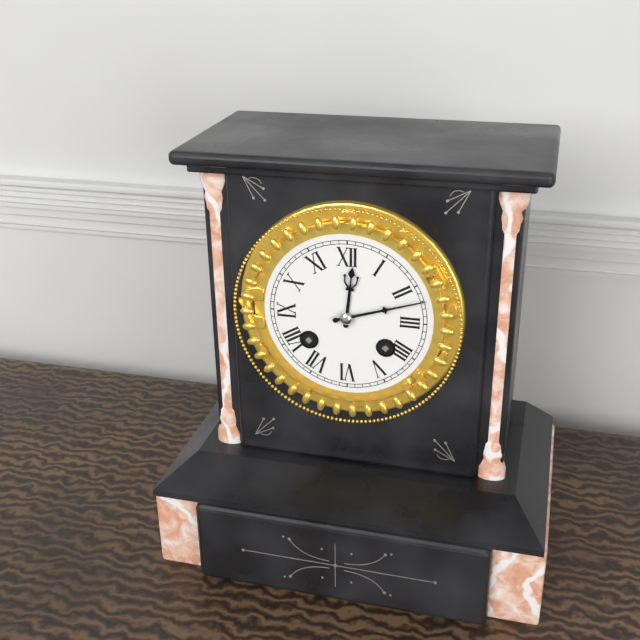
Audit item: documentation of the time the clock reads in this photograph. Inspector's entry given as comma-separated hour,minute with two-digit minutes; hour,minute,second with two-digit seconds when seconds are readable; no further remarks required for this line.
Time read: 12,12
